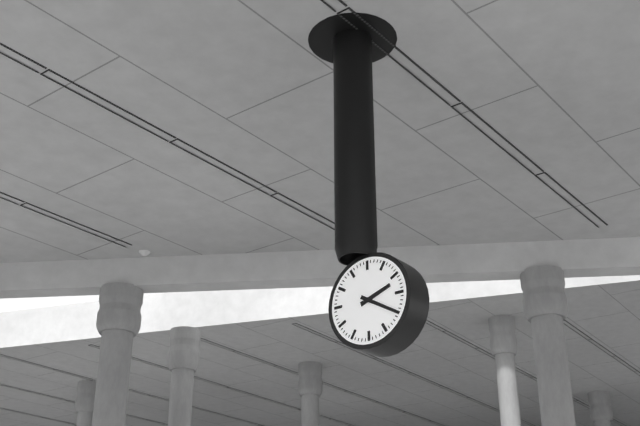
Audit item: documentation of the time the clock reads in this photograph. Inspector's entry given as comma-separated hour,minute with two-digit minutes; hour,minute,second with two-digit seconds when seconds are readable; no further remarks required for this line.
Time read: 2,20
